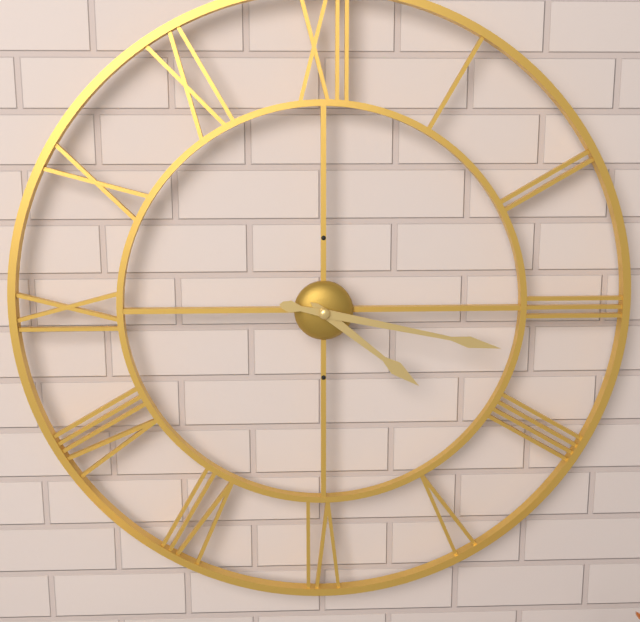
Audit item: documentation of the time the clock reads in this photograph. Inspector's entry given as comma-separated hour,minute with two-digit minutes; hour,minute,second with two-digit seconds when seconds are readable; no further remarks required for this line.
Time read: 4,17
